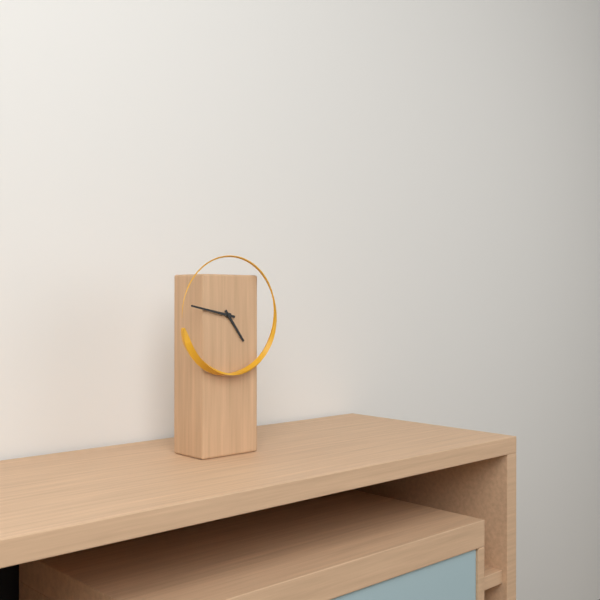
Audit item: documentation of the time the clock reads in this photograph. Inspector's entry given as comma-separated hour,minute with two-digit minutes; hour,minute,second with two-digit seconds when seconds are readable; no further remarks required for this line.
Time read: 4,47
